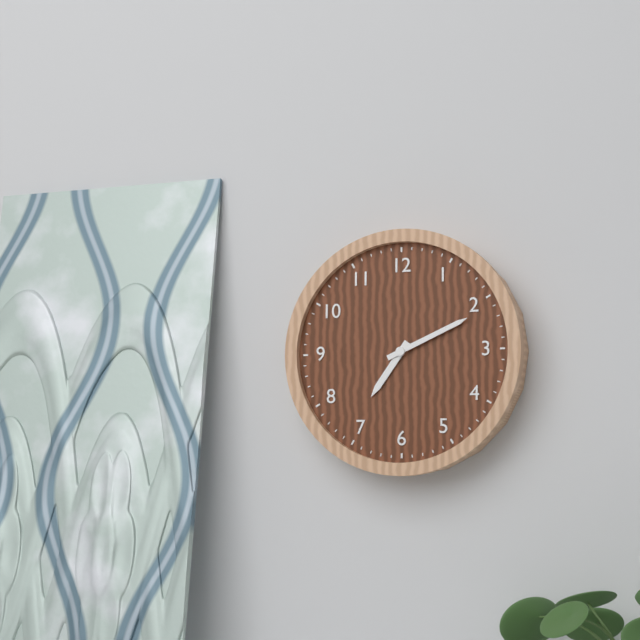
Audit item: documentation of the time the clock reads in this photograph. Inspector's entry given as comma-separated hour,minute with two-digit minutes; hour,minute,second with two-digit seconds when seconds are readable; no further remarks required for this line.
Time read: 7,11
